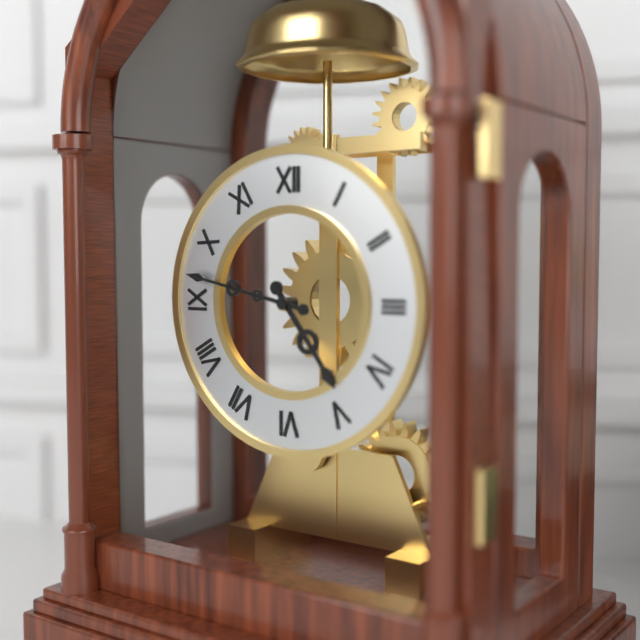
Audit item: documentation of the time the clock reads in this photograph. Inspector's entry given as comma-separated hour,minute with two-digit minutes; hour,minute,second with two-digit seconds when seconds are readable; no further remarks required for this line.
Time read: 4,47
